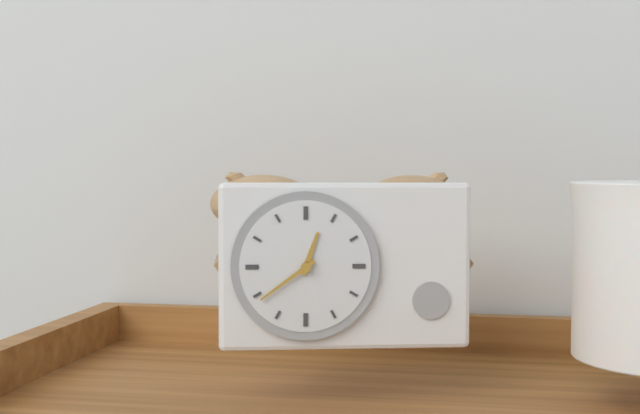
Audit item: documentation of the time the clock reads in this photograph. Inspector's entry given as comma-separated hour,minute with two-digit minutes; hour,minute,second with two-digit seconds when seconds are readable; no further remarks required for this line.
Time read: 12,39
